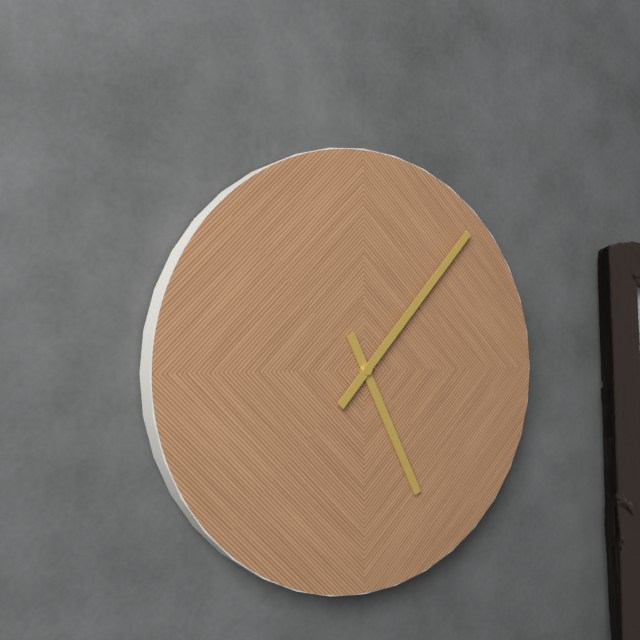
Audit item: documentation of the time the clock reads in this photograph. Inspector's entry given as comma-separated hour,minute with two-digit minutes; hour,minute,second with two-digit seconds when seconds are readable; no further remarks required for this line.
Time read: 5,07
